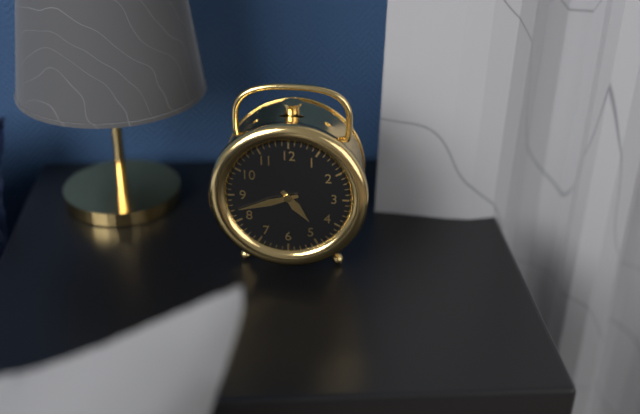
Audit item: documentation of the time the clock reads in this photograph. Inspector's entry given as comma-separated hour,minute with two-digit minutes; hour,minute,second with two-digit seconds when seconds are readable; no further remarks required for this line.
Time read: 4,42
